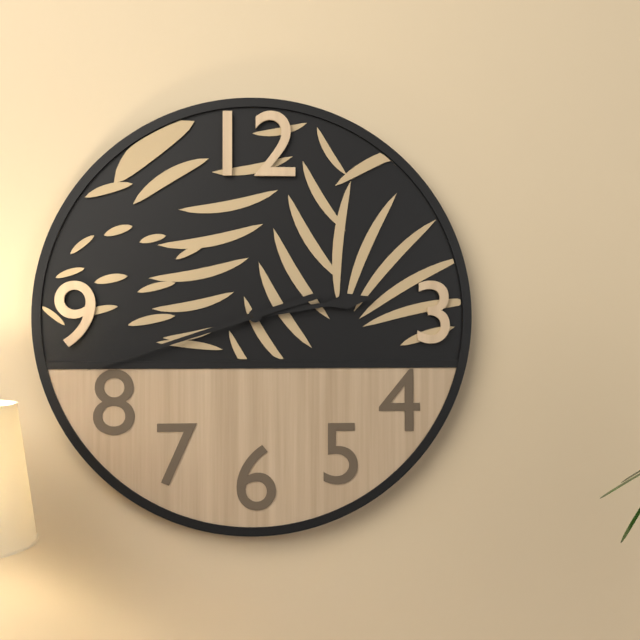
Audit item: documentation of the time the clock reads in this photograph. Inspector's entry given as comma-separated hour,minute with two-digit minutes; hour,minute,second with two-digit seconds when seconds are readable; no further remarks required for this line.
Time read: 2,42
